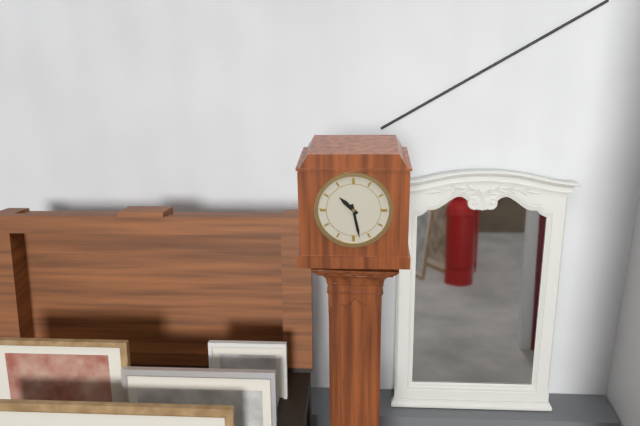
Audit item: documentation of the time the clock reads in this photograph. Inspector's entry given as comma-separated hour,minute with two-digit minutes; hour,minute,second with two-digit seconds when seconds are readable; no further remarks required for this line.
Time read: 10,28
